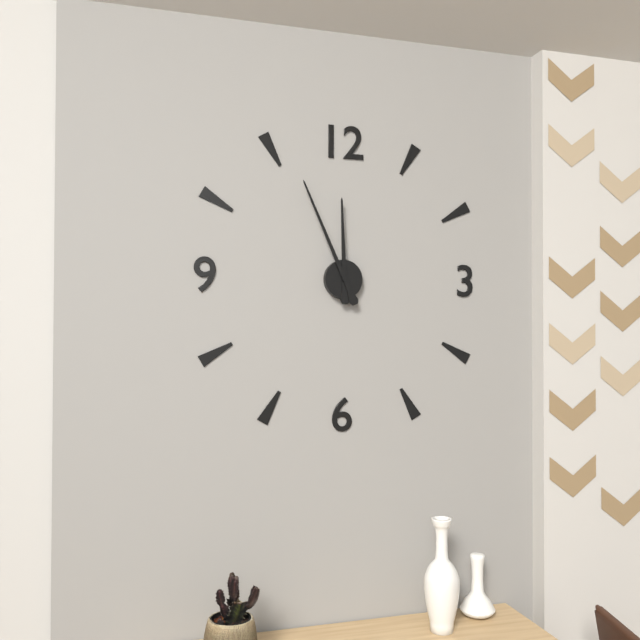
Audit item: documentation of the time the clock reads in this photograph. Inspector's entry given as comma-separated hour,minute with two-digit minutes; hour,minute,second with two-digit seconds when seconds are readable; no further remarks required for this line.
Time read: 11,56
